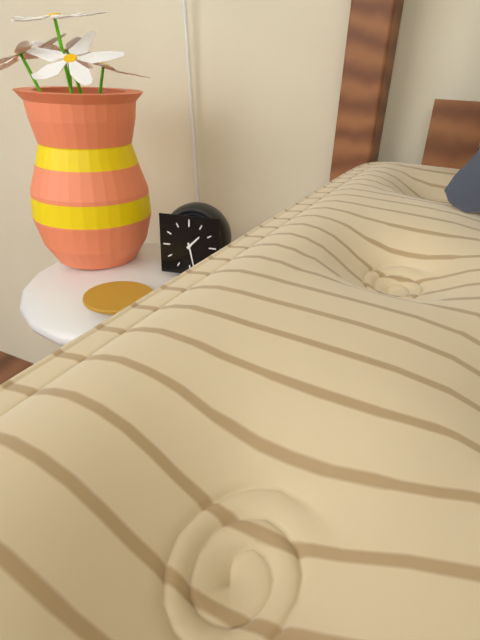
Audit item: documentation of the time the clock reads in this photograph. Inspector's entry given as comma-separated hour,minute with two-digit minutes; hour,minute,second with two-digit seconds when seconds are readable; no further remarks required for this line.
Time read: 1,28
